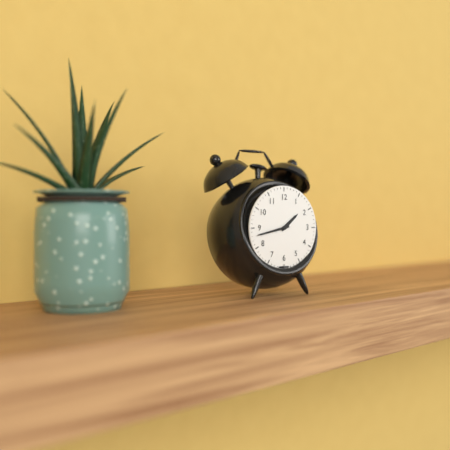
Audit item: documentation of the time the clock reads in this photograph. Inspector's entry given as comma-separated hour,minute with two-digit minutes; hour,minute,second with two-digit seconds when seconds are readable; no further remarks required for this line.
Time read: 1,43
